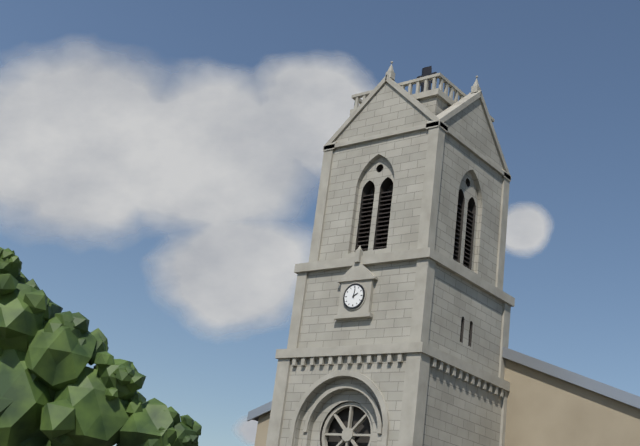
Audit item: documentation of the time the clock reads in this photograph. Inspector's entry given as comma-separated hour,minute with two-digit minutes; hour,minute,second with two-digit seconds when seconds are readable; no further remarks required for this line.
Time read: 2,01
